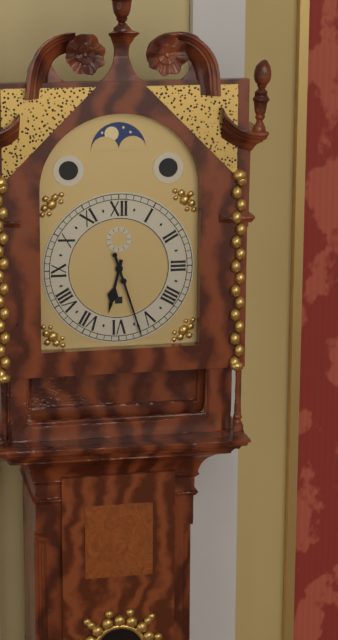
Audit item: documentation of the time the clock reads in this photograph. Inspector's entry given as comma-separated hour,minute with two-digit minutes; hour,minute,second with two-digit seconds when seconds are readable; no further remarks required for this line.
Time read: 6,27
